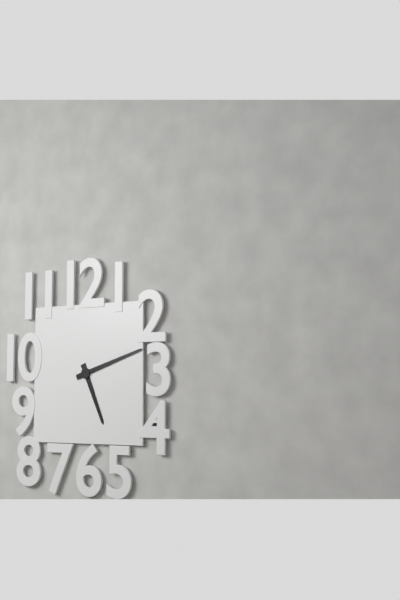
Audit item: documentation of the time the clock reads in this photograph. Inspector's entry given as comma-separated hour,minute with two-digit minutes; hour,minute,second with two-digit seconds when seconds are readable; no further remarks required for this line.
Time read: 5,12
